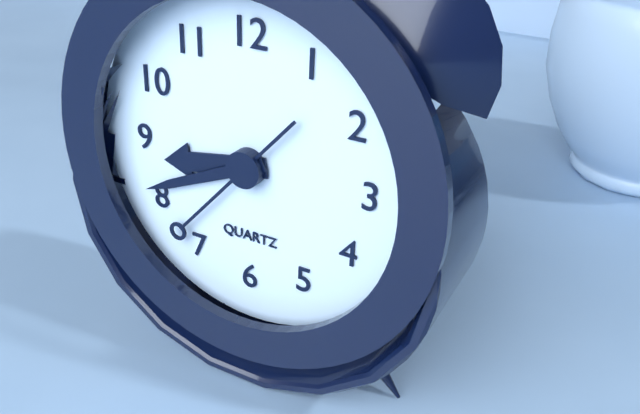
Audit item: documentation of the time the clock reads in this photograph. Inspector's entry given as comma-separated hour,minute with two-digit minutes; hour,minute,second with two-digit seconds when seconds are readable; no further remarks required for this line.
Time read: 8,41,37
